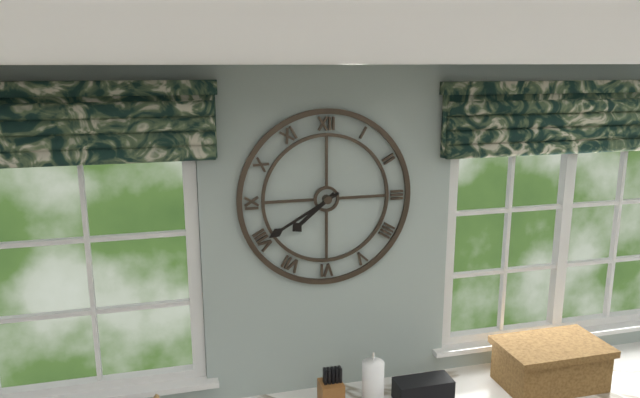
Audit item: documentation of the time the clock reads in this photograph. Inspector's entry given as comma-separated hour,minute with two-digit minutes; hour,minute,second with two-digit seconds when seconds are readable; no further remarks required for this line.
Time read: 7,40
